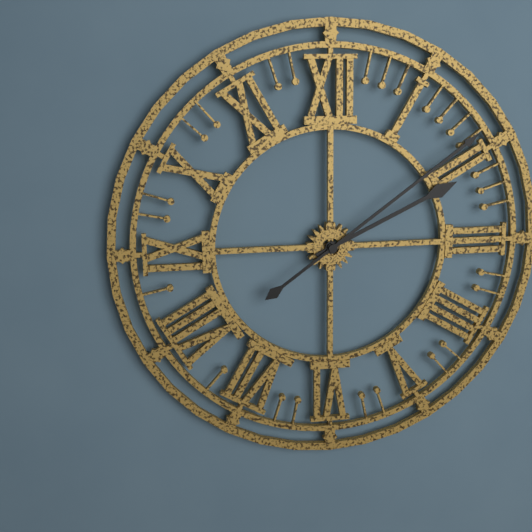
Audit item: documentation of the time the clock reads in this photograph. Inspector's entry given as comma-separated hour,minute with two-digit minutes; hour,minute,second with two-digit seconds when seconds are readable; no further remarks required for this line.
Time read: 2,09
